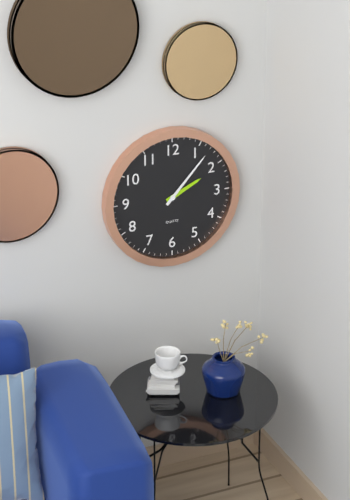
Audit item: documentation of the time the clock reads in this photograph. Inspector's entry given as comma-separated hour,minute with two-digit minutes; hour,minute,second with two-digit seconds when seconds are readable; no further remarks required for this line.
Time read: 2,07
